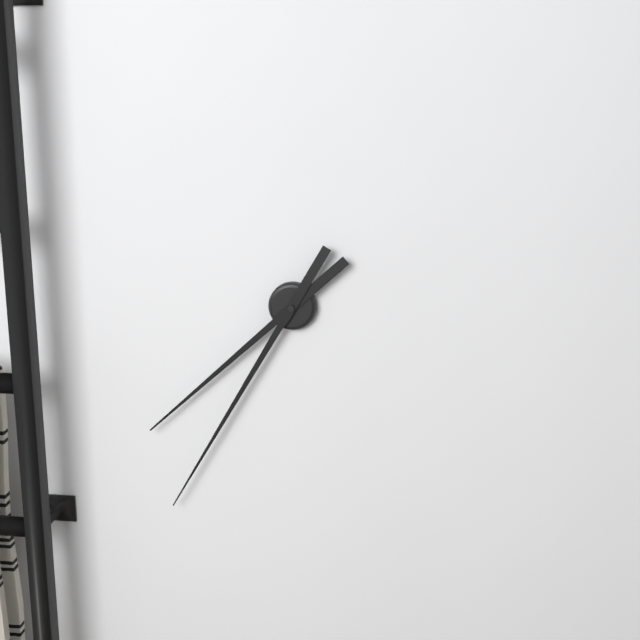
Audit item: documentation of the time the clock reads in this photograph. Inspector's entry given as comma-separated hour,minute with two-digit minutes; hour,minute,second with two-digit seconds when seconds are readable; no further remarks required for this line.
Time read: 7,35
